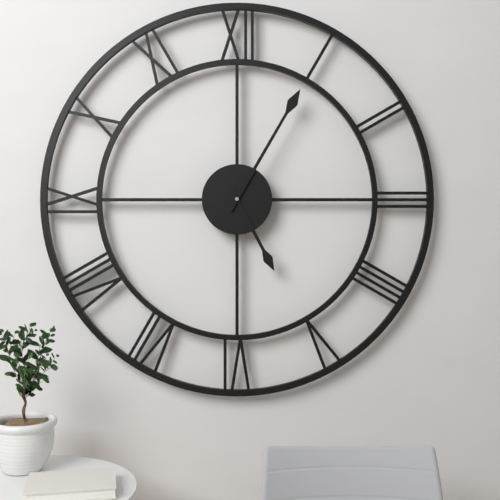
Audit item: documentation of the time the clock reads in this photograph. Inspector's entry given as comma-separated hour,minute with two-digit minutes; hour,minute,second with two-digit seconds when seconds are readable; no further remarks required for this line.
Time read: 5,05
